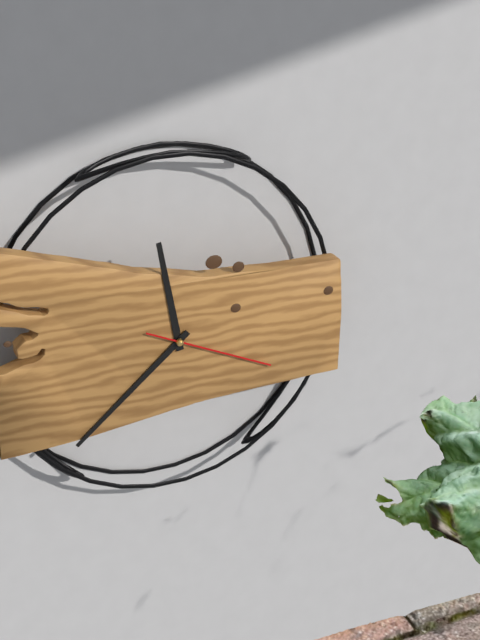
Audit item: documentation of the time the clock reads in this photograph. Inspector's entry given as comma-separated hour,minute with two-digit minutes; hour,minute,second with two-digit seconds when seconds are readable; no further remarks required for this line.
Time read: 11,38,19
